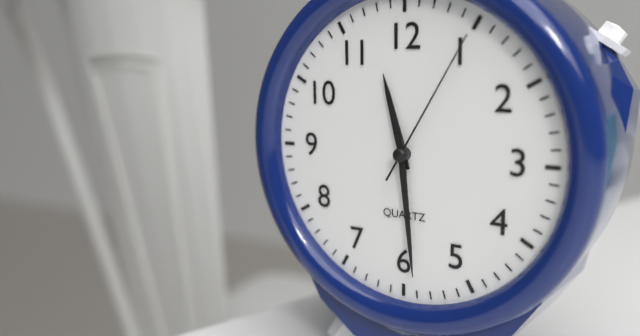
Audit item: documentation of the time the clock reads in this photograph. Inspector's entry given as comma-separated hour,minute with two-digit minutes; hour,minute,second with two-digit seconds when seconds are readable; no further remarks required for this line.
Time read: 11,29,05
